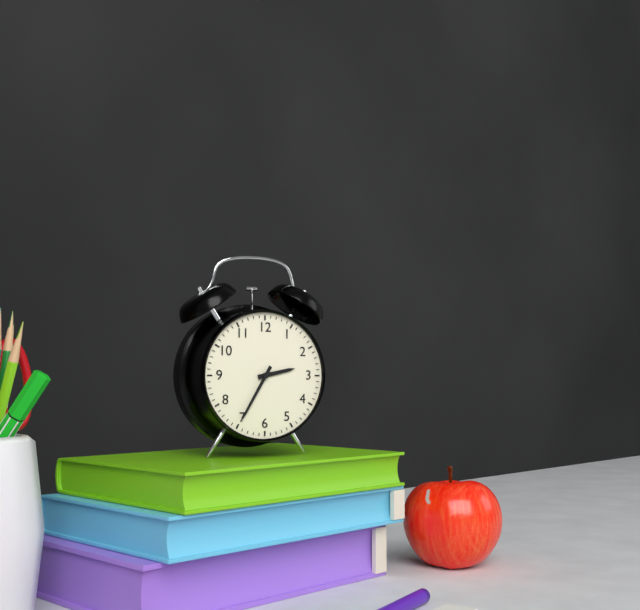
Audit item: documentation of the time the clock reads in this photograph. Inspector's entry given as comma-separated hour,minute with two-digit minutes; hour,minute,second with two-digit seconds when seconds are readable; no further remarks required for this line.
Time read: 2,35
